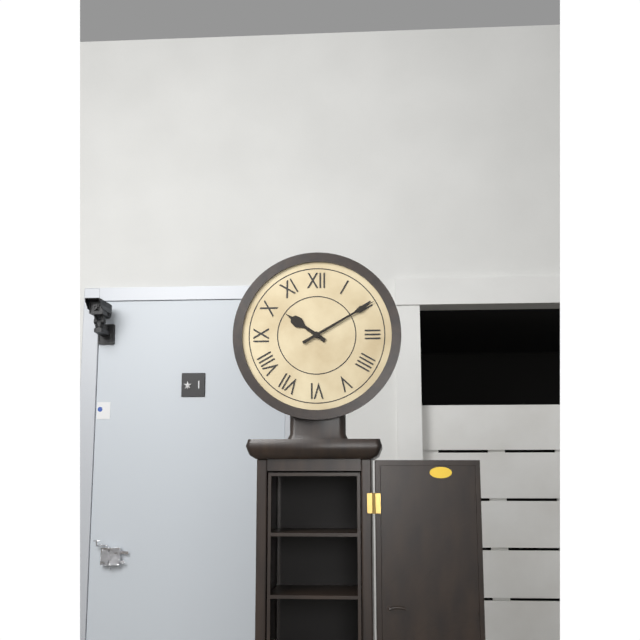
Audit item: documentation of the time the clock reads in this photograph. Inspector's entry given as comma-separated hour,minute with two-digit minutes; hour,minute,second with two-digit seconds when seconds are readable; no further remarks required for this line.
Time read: 10,10
